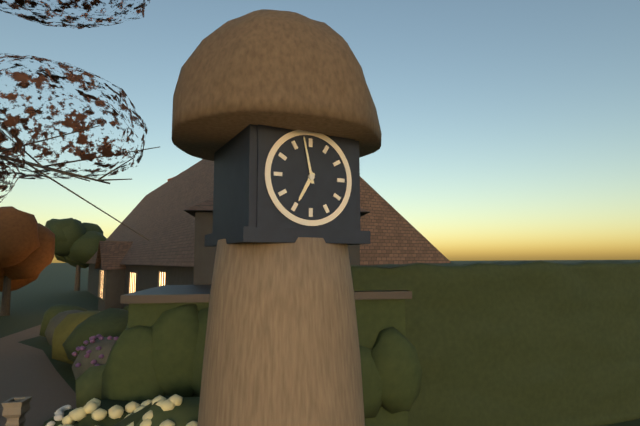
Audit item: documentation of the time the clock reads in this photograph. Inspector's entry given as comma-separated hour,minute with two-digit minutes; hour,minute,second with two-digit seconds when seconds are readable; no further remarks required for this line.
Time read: 6,58
